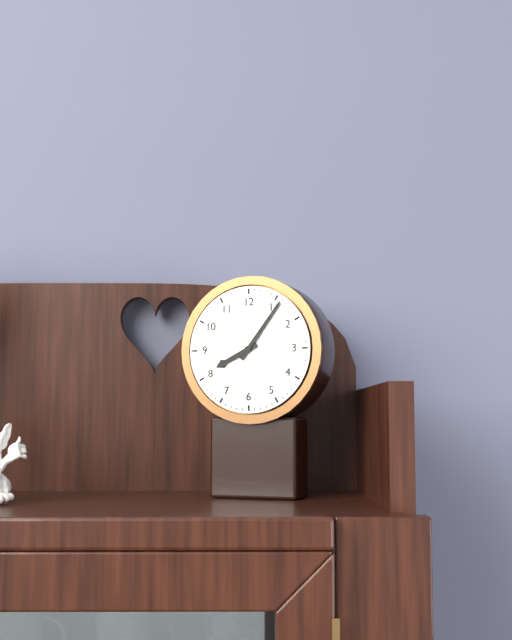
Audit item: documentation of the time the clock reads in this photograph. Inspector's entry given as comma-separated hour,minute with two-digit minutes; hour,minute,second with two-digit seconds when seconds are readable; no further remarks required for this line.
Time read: 8,06
